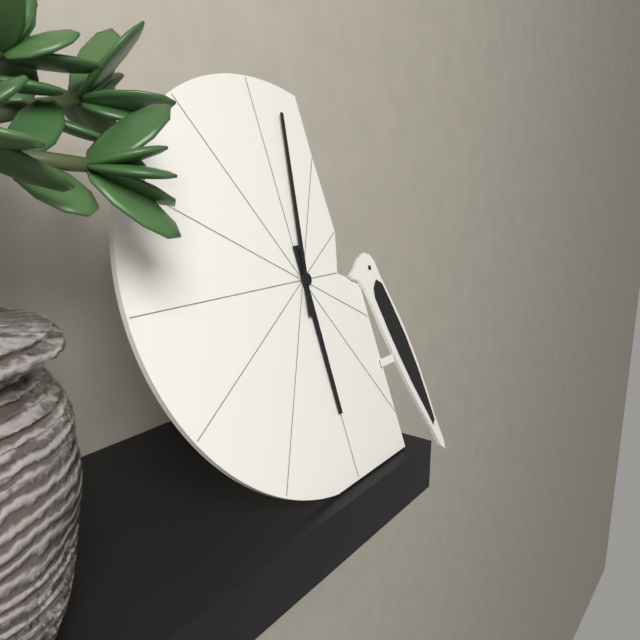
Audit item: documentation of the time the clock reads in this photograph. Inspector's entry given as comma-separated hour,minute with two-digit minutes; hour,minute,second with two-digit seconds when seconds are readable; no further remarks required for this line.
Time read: 6,02
